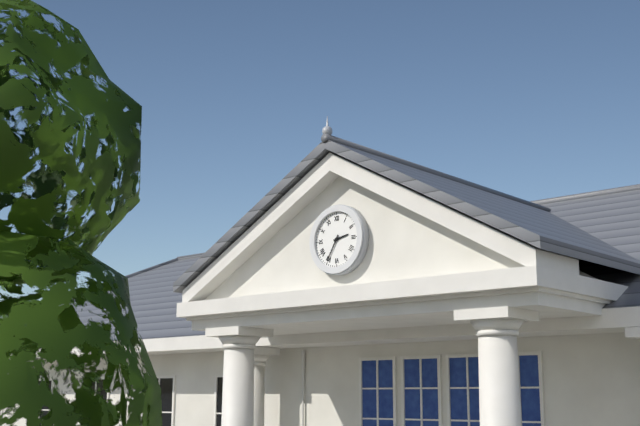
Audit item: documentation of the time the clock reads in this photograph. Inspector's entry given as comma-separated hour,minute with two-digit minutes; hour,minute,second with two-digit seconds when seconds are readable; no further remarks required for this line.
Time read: 2,35
